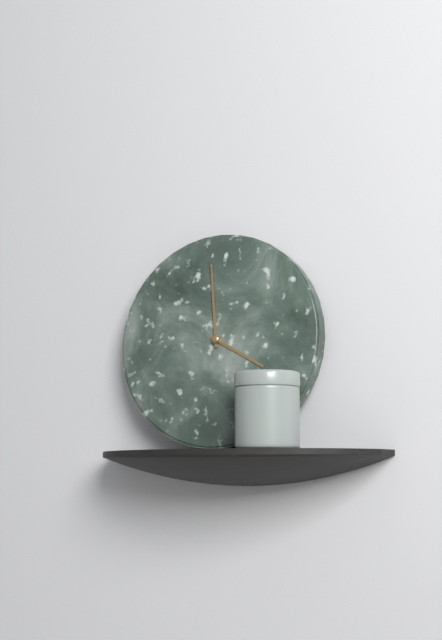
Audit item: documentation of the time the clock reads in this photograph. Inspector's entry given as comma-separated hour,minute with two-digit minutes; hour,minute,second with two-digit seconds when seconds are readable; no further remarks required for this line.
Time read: 3,59
